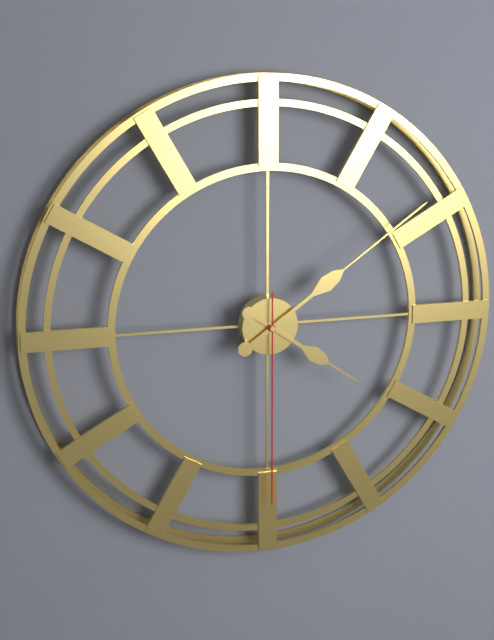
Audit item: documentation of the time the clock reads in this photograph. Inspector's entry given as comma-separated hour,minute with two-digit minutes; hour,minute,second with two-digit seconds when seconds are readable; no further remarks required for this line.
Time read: 4,09,30
